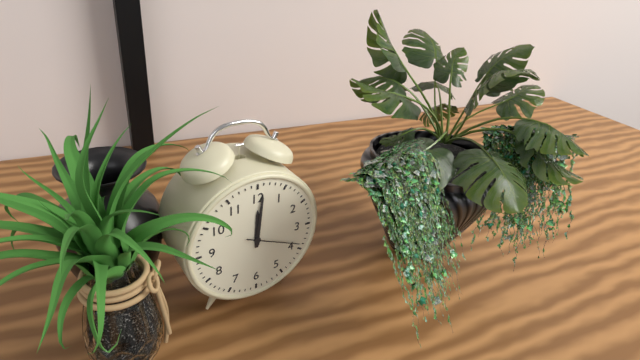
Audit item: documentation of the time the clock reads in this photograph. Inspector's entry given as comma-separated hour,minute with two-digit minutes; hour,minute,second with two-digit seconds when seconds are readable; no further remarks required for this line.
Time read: 12,01,19
